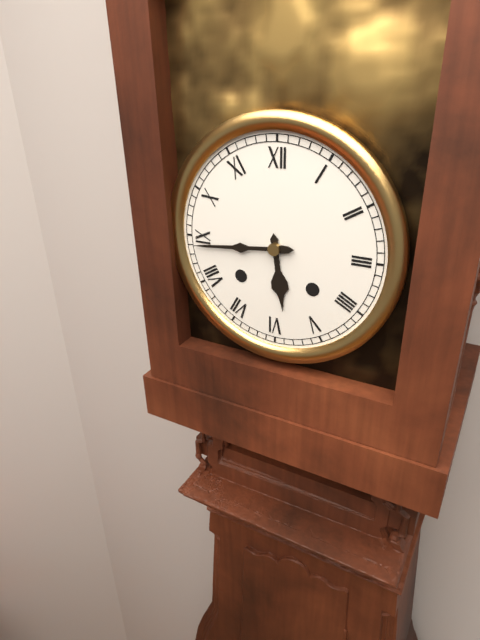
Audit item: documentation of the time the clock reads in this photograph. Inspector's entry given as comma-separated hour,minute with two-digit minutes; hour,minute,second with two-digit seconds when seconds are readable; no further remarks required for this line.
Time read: 5,44
